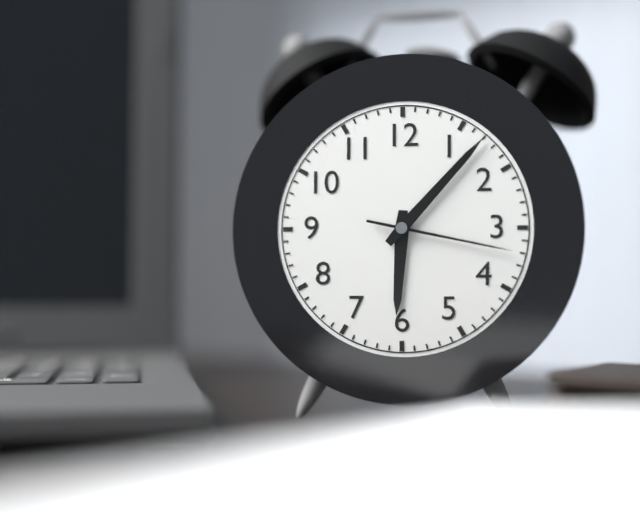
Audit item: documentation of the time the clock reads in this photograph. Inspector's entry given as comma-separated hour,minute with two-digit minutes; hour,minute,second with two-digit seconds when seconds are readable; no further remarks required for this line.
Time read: 6,07,17
